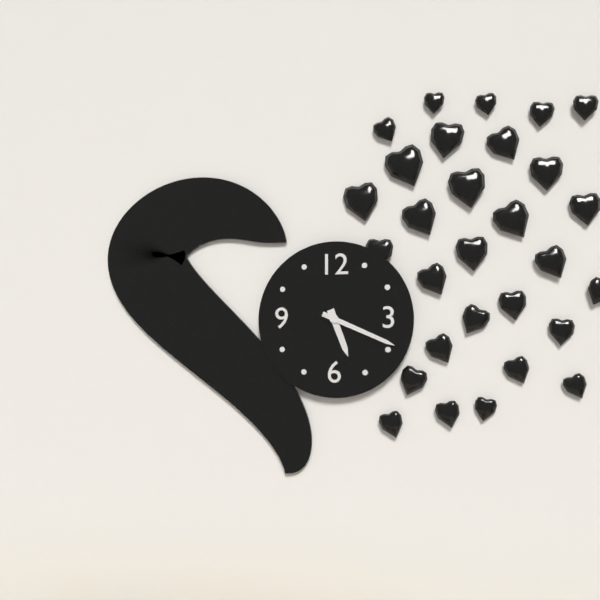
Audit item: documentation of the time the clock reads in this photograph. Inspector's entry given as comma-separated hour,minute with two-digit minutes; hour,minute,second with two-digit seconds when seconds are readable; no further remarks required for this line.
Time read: 5,19
